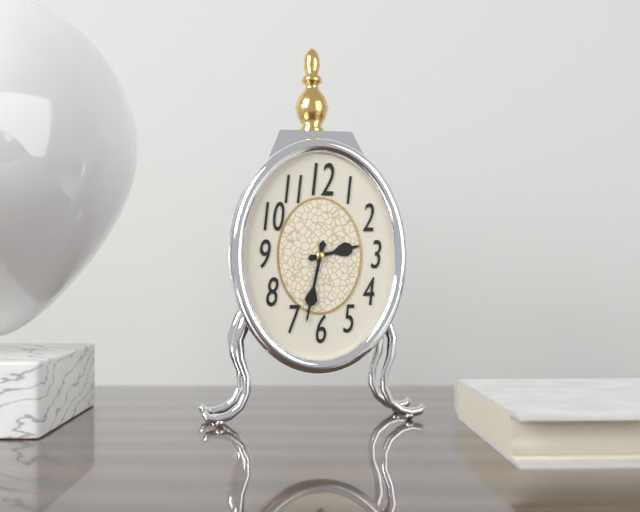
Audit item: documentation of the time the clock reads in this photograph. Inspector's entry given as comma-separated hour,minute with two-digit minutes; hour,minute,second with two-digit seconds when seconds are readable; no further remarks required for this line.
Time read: 2,32
